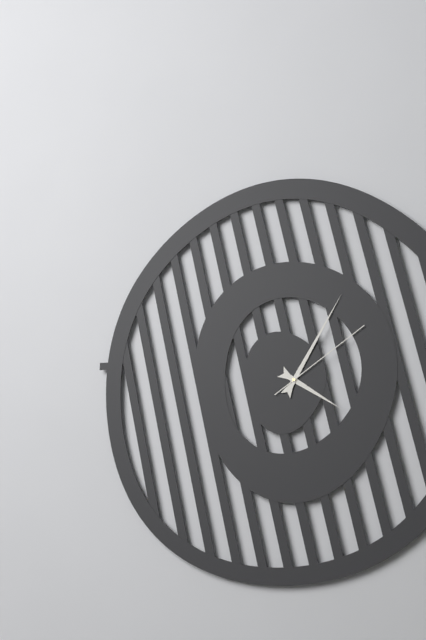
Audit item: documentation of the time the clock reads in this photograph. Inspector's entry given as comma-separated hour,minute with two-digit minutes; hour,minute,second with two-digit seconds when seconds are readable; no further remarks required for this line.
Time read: 4,05,09
